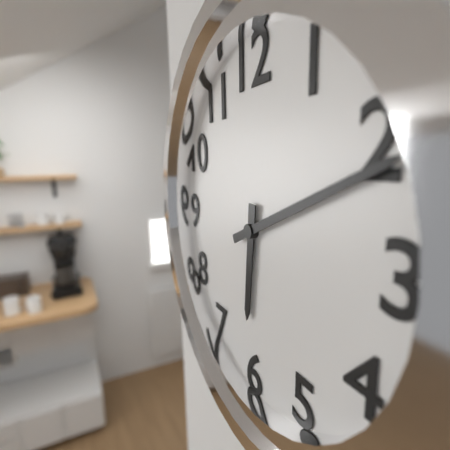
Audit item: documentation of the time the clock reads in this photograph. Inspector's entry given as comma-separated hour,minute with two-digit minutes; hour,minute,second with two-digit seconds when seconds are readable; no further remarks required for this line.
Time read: 6,11
